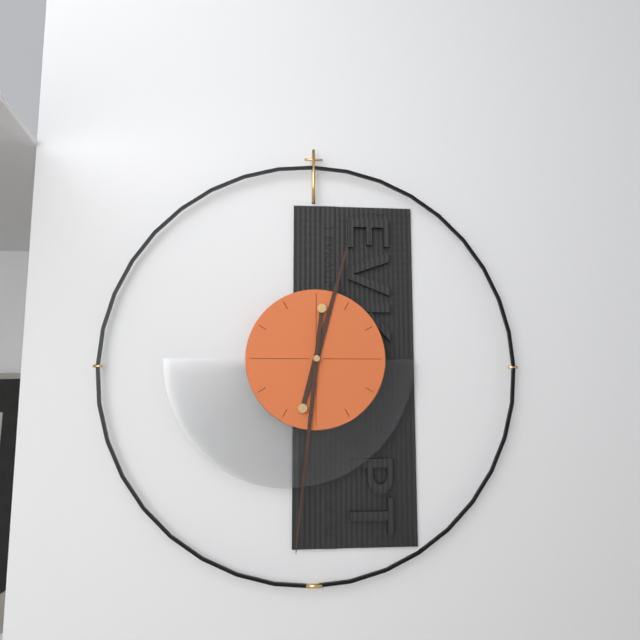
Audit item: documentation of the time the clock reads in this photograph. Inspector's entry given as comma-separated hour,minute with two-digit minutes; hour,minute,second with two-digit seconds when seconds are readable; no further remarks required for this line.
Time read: 12,31
